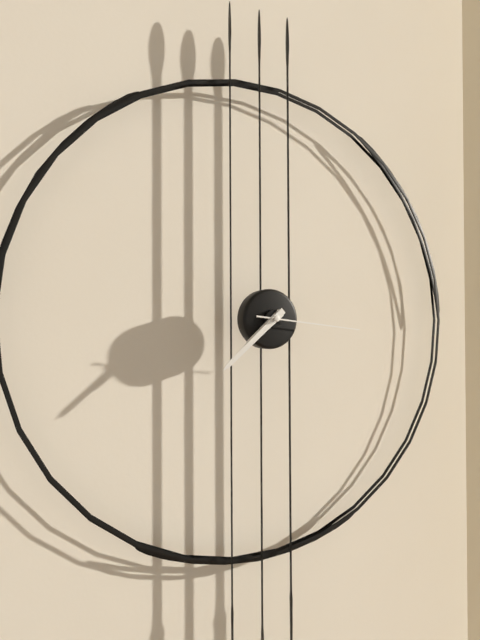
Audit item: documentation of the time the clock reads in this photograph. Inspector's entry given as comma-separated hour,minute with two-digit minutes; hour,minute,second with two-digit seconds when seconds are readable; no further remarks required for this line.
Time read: 7,38,16
